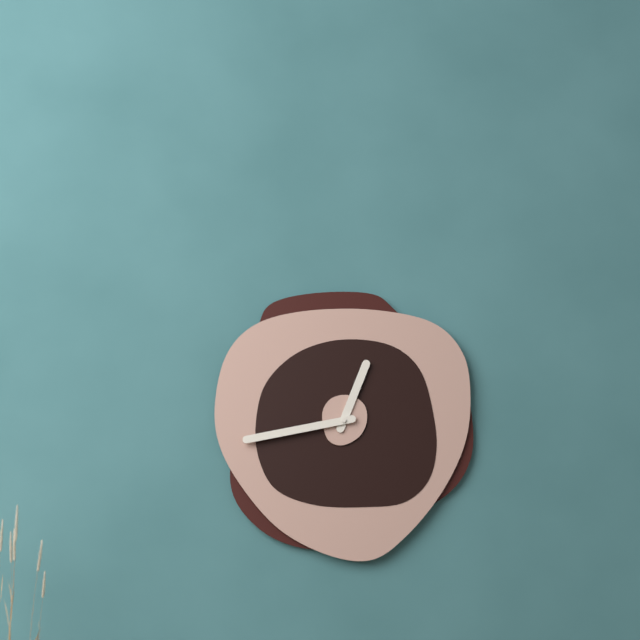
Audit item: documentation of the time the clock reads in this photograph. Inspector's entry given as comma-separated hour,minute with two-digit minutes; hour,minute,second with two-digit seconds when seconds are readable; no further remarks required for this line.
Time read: 12,43
